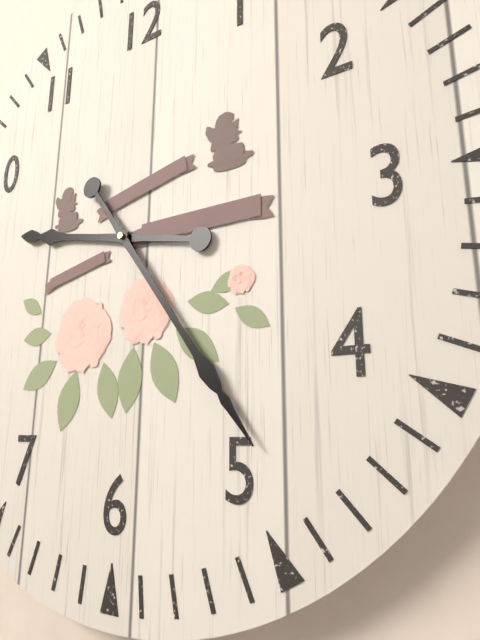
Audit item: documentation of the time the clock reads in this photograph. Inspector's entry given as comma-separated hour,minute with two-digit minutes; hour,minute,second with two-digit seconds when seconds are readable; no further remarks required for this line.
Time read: 9,24
